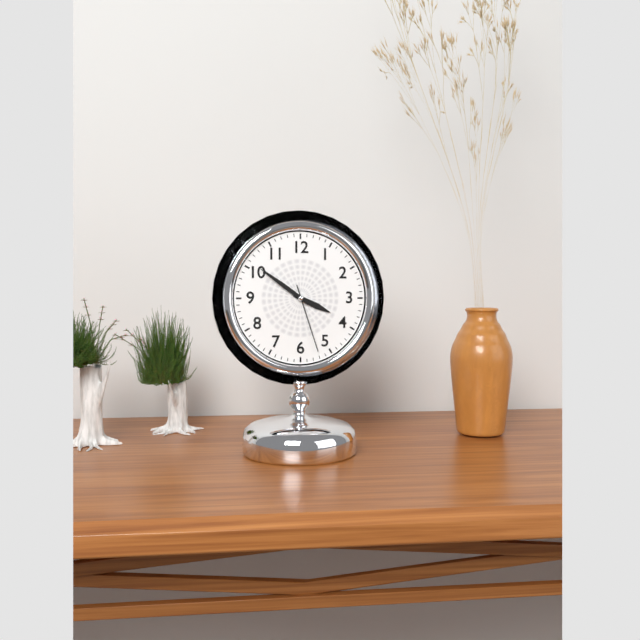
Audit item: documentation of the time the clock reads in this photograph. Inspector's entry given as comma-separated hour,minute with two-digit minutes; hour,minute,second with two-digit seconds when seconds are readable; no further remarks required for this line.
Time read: 3,51,27
